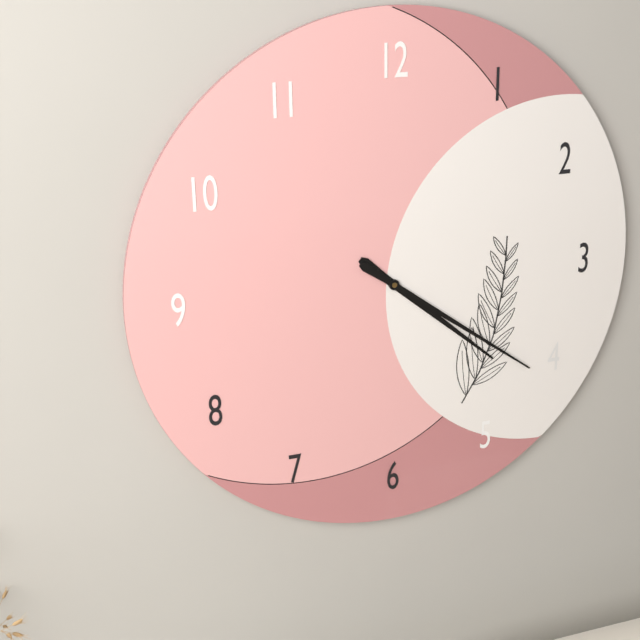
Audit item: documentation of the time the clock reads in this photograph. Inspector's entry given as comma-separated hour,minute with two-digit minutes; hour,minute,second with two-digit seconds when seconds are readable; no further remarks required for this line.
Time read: 4,21
